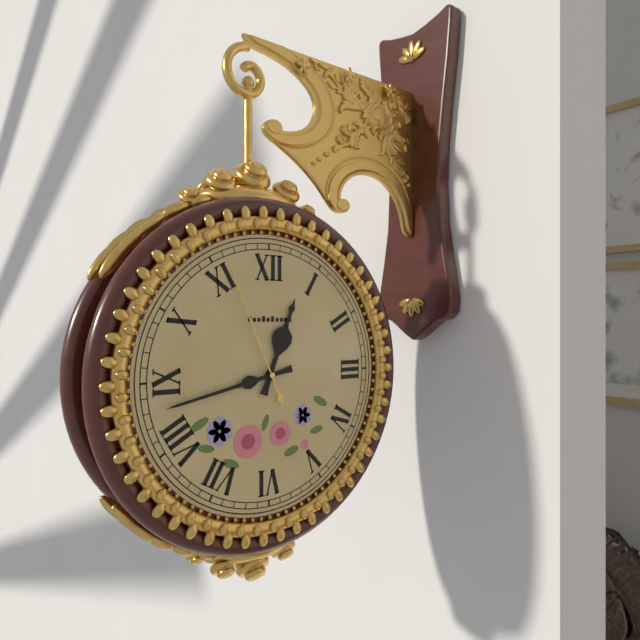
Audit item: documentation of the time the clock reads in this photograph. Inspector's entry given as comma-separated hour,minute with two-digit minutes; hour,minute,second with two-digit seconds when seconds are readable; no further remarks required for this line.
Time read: 12,43,56
